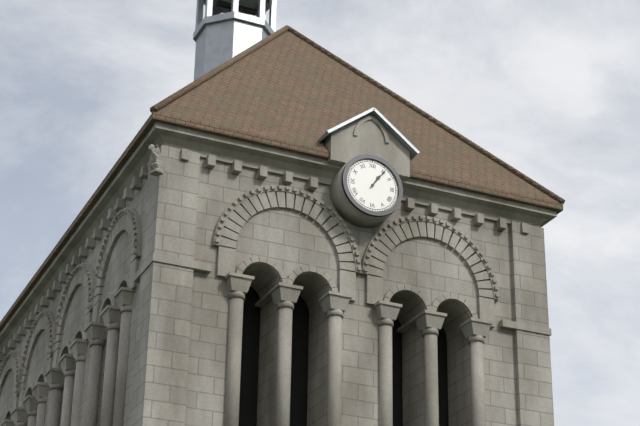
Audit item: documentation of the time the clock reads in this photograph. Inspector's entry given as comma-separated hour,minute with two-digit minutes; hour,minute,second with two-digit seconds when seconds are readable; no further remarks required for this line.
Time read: 1,06
